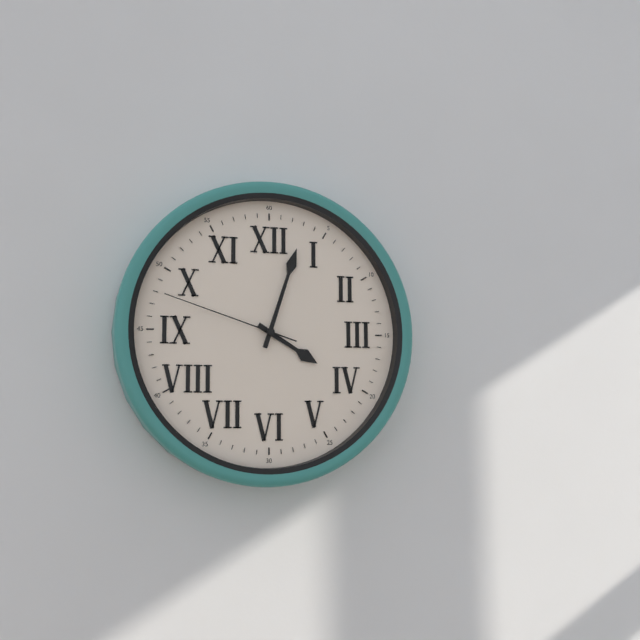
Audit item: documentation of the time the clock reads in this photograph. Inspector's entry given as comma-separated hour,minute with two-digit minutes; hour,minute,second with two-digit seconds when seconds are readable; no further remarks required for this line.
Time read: 4,03,48
